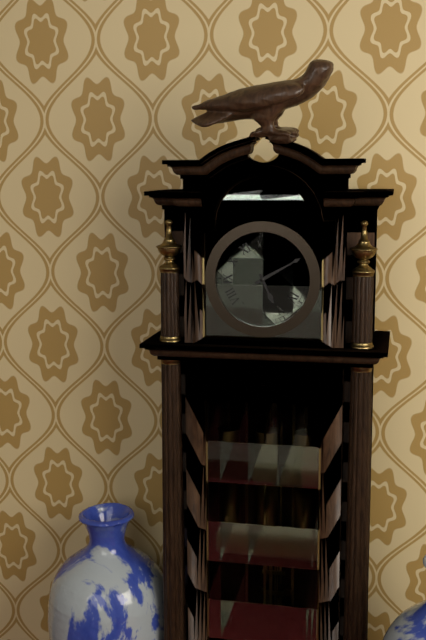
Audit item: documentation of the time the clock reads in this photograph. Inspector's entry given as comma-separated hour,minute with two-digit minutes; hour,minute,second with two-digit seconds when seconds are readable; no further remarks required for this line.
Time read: 5,10
